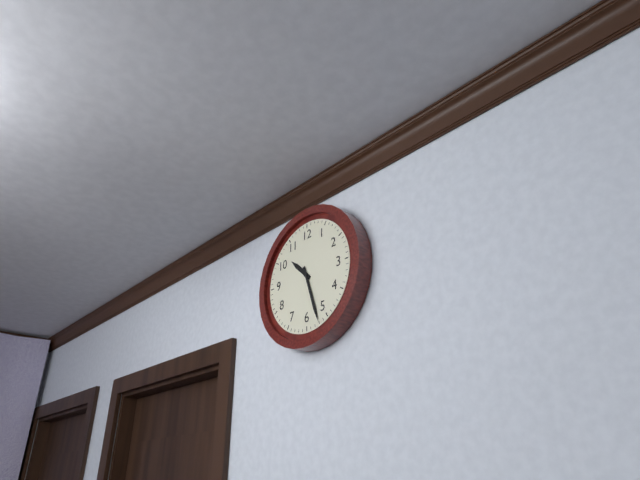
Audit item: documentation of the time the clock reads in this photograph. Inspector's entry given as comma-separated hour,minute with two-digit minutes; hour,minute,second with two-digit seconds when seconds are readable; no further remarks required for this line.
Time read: 10,27
